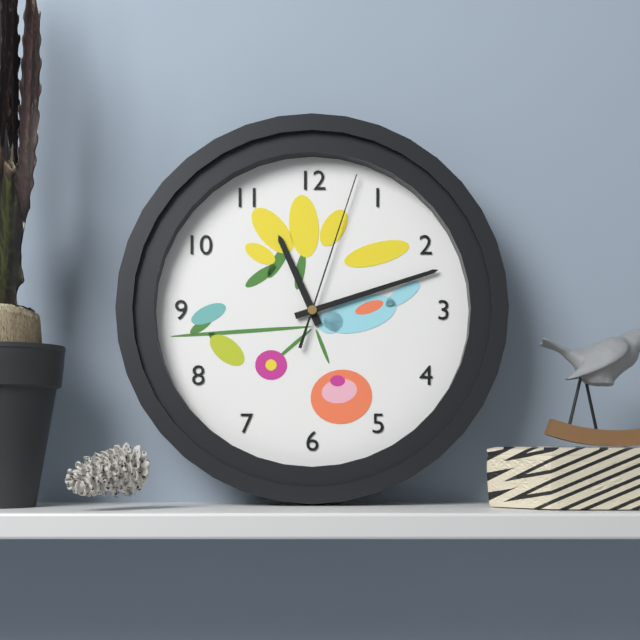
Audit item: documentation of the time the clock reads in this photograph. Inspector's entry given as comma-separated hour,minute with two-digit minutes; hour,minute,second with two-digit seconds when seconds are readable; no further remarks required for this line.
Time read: 11,12,03
